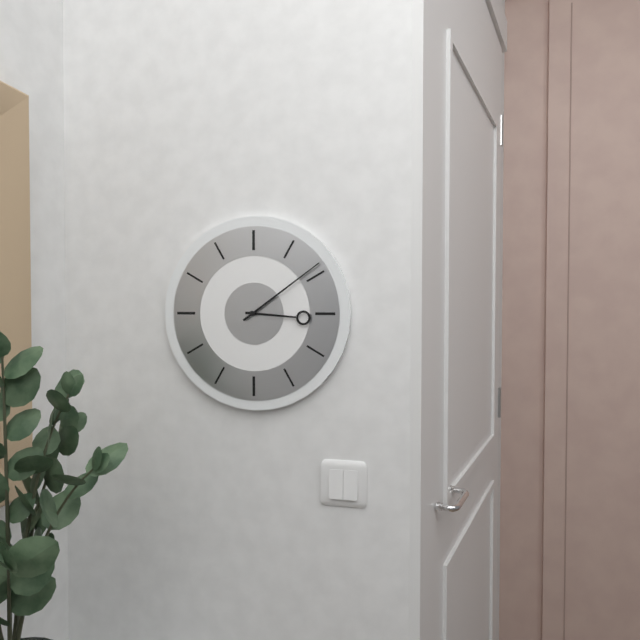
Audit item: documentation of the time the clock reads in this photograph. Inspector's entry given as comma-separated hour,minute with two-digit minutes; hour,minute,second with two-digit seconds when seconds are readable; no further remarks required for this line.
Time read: 3,09
